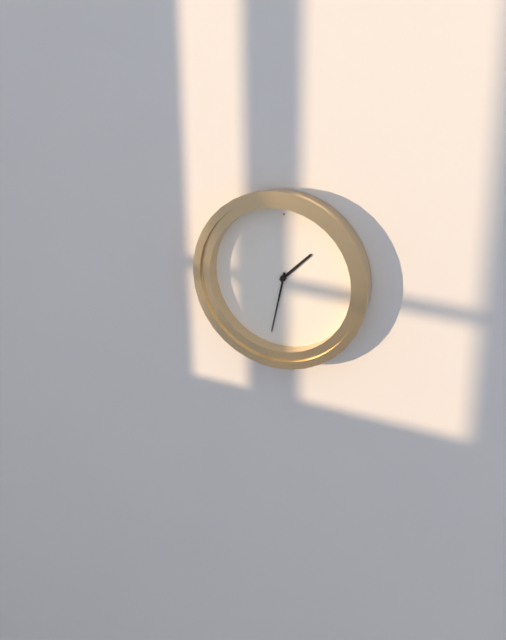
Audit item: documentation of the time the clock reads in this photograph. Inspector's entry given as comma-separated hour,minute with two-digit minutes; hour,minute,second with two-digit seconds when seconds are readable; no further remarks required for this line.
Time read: 1,32
